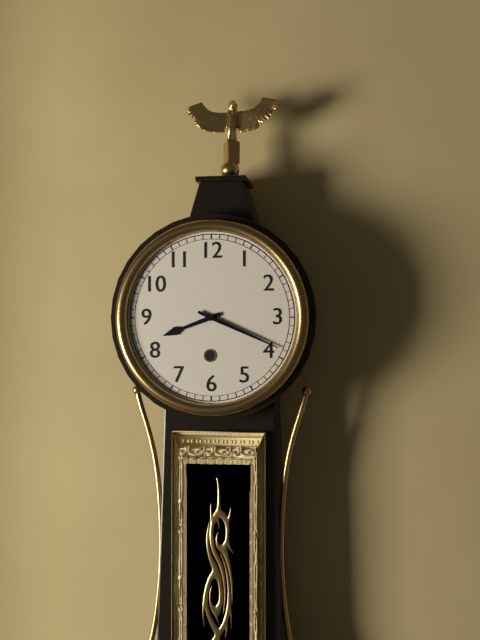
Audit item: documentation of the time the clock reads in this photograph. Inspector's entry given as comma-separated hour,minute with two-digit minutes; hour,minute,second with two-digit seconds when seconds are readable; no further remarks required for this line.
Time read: 8,19
